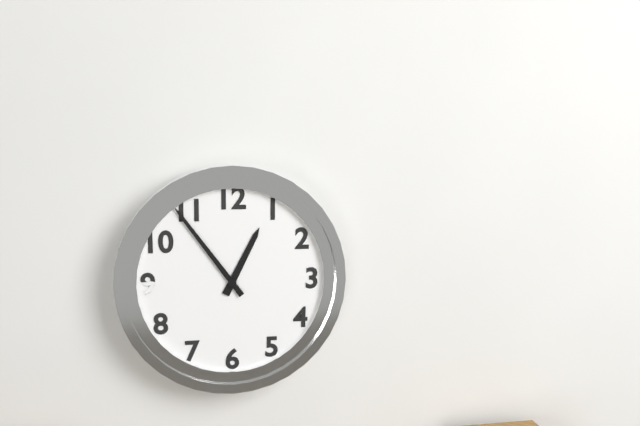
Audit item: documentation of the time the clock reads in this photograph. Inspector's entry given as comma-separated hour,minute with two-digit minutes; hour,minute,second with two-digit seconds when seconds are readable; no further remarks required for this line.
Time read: 12,54
